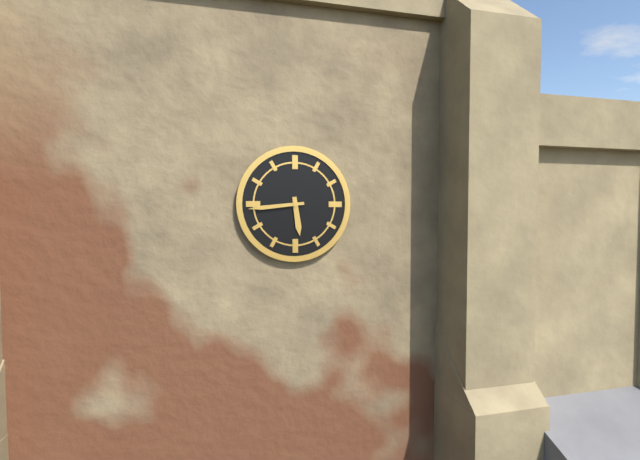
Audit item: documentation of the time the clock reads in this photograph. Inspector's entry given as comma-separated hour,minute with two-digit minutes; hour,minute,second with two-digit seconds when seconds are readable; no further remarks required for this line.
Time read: 5,44
